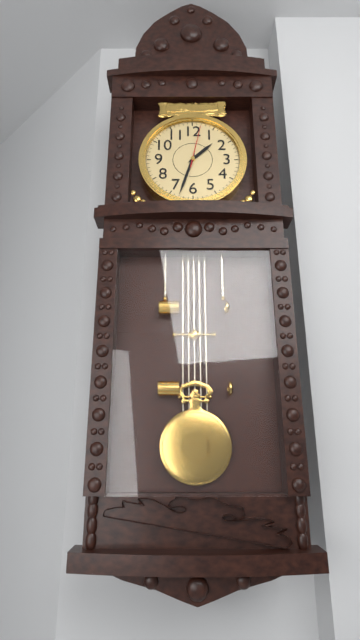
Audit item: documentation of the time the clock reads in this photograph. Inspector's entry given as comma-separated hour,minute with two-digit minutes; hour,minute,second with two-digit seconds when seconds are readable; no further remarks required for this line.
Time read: 1,33
